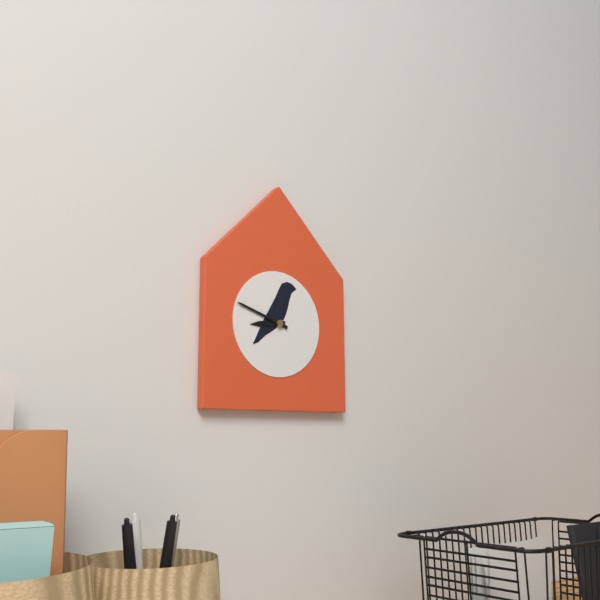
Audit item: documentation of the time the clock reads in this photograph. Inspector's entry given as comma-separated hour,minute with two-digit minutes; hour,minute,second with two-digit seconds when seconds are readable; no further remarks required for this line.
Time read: 8,48
